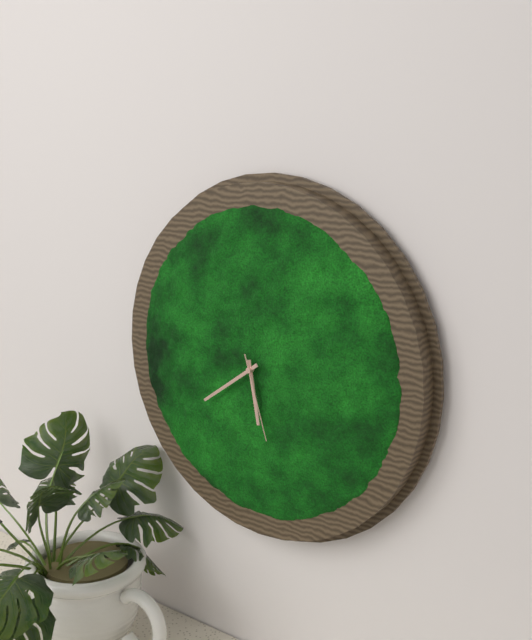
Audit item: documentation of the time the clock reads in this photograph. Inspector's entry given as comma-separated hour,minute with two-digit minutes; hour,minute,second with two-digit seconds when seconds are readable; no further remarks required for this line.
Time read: 5,39,27
